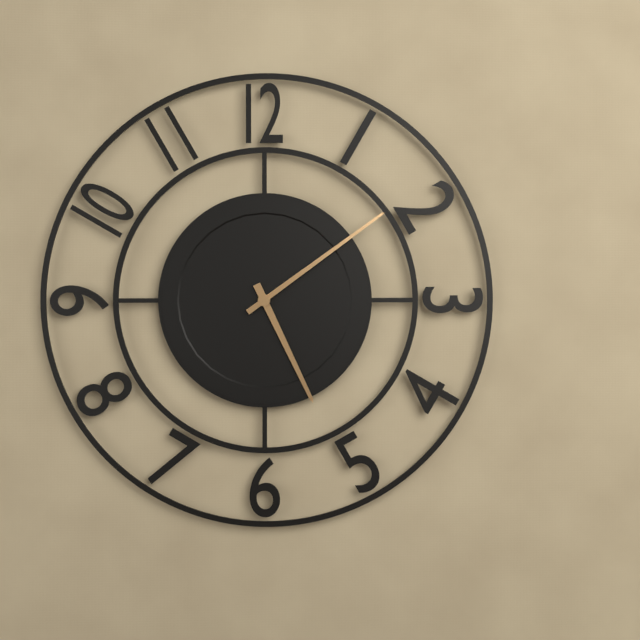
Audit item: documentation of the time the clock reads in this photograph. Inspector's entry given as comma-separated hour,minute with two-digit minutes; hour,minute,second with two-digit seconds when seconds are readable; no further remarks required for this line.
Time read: 5,09
